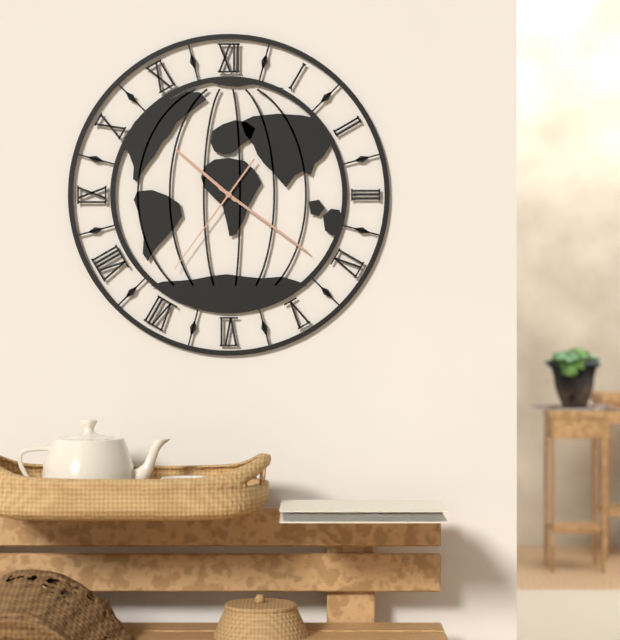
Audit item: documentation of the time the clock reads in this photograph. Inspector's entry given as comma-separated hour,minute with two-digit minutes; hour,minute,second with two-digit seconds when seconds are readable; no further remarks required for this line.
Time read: 10,21,36
